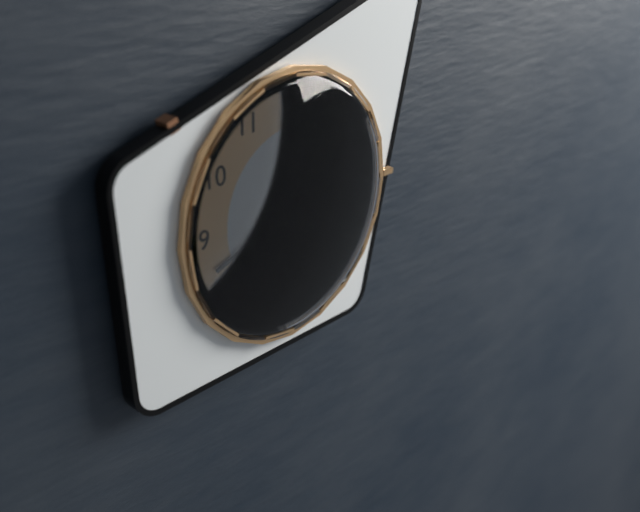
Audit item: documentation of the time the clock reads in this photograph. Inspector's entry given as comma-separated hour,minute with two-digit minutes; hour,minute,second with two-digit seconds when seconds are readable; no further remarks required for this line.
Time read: 12,42
